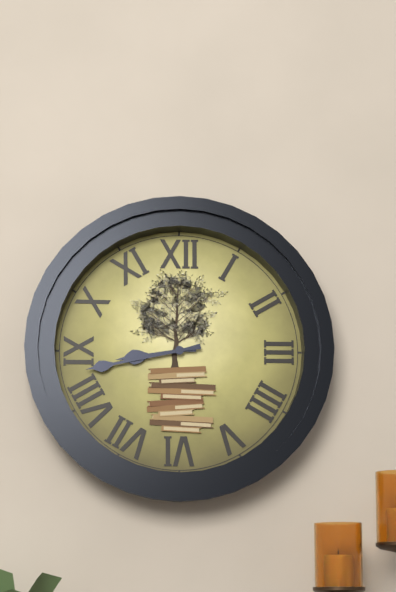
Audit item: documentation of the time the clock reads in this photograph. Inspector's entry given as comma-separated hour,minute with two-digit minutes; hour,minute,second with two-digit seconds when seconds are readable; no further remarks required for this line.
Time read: 8,43
